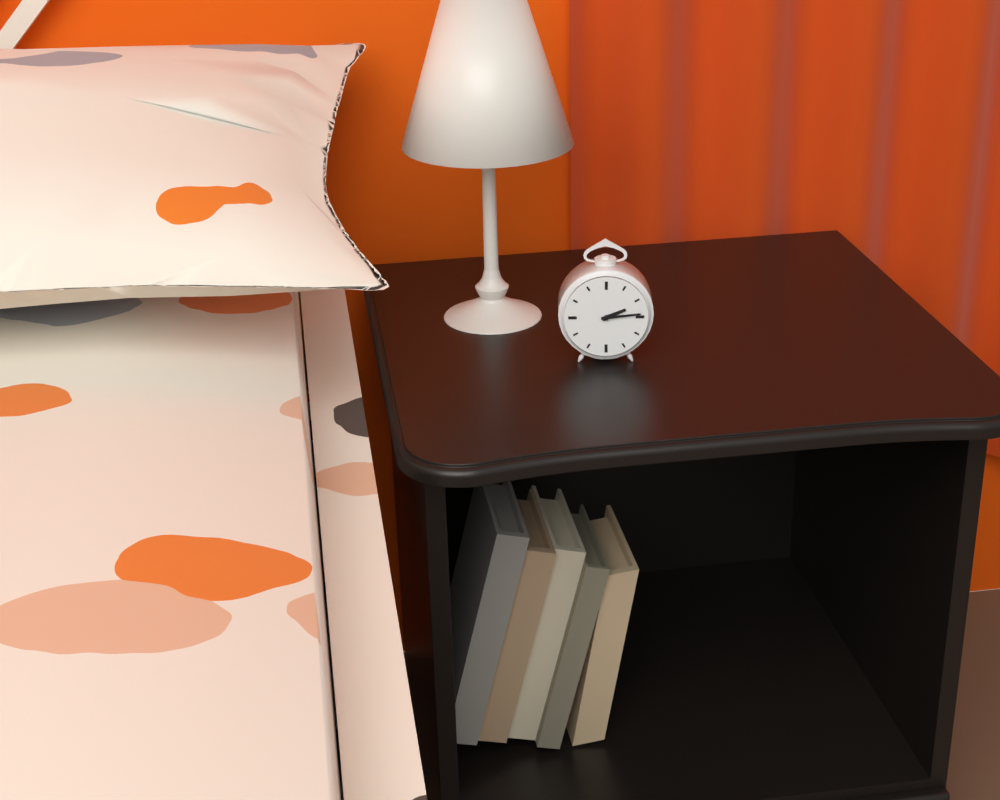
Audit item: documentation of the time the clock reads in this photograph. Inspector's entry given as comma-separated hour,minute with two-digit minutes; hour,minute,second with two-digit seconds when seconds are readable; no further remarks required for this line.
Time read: 2,14
